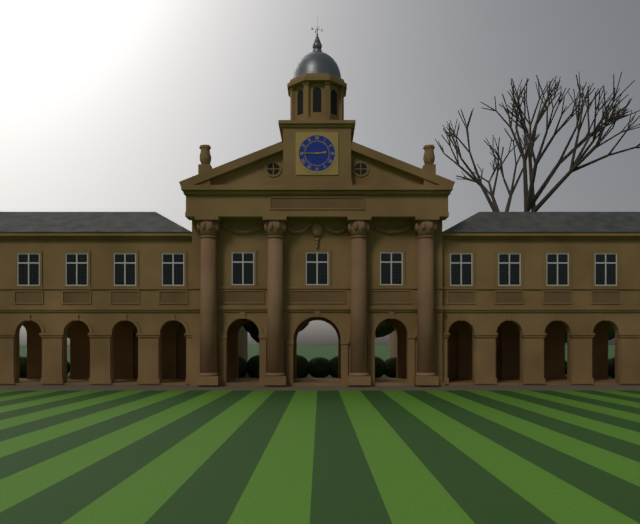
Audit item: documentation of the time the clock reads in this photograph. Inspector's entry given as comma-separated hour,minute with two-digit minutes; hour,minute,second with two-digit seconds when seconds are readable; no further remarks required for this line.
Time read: 2,45
